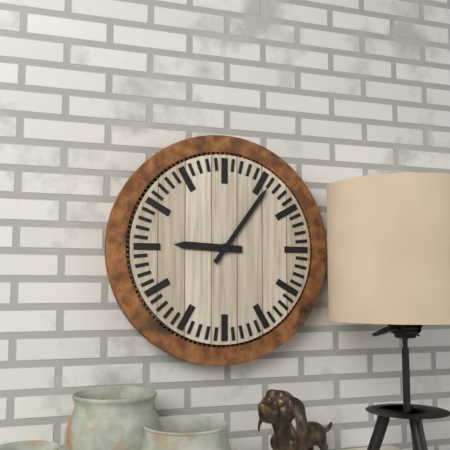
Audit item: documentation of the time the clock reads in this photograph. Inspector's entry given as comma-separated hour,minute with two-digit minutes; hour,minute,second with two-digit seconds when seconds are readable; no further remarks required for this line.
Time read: 9,06
